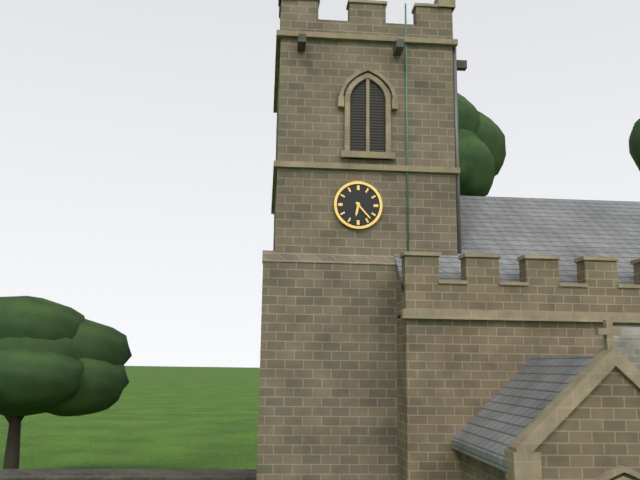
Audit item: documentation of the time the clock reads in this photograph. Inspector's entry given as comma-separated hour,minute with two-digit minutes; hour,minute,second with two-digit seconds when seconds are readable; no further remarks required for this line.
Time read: 6,23
